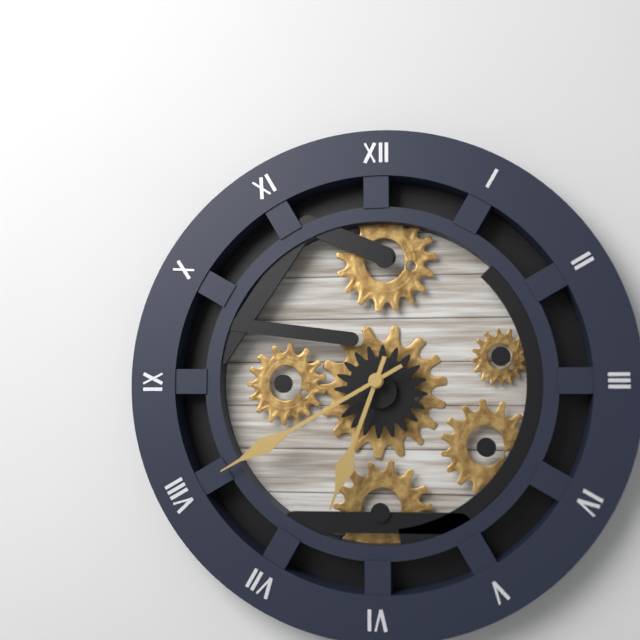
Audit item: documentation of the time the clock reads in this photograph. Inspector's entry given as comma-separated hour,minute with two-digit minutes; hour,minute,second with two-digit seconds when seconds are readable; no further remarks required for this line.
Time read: 6,40
